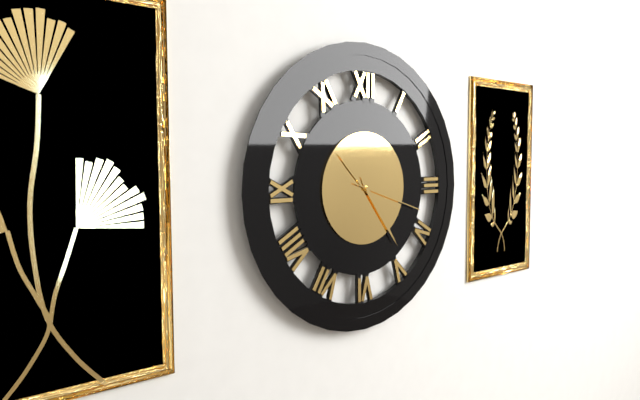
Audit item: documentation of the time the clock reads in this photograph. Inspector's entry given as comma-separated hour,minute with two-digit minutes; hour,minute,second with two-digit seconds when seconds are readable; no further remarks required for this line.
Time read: 10,24,18
